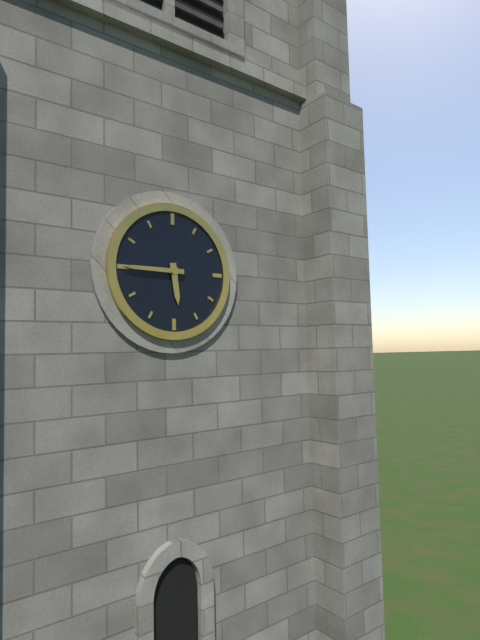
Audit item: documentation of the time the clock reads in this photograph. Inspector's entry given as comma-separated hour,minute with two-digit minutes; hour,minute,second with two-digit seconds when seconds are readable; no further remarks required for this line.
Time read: 5,45
